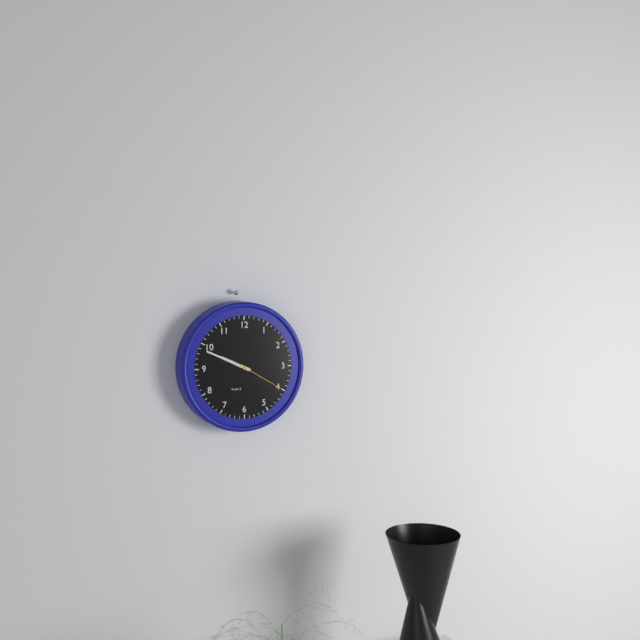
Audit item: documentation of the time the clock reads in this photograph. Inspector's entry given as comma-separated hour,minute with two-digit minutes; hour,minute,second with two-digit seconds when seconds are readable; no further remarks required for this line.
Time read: 9,49,20
